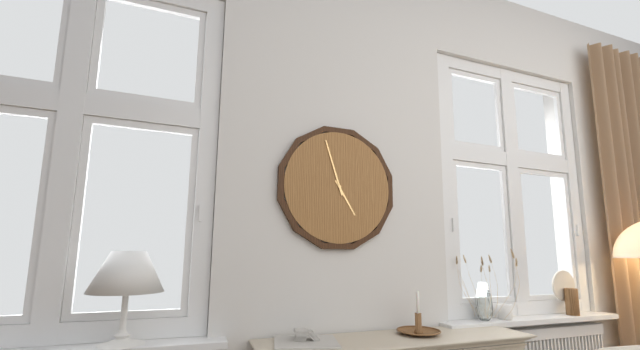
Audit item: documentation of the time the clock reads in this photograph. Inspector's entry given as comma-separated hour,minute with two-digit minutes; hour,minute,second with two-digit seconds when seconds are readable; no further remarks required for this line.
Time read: 4,57
